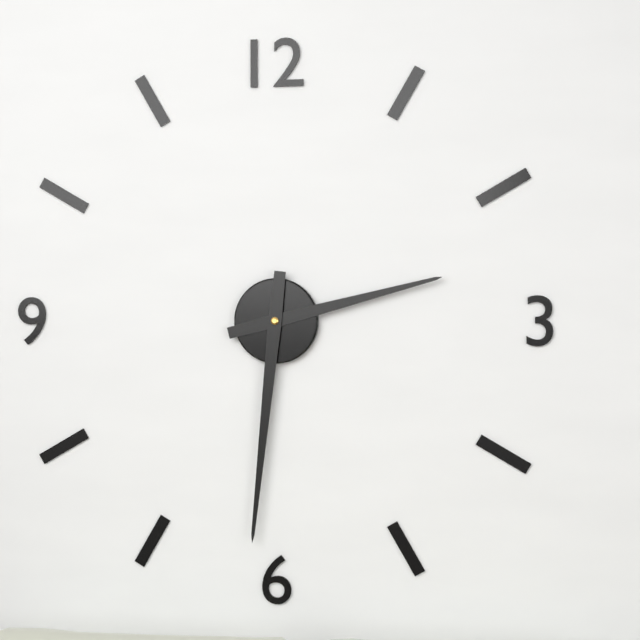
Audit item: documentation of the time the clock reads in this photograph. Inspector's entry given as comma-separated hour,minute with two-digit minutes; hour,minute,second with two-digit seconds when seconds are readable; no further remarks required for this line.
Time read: 2,31
